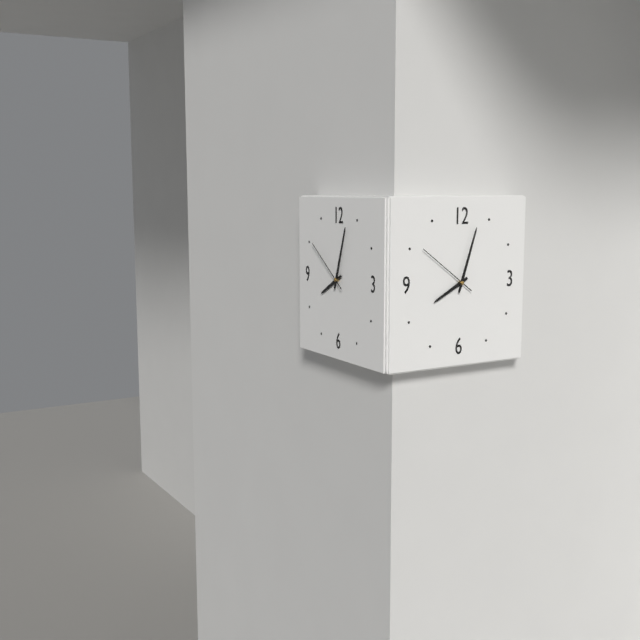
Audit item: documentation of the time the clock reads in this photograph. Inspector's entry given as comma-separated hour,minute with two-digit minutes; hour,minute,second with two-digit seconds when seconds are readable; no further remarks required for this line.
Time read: 8,03,51
